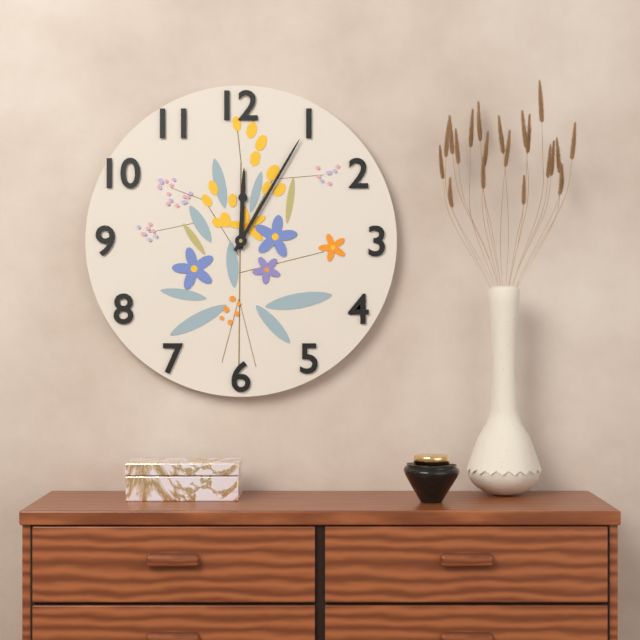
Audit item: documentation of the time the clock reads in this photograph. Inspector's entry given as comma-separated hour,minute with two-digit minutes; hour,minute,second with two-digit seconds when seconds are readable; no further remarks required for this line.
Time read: 12,05
